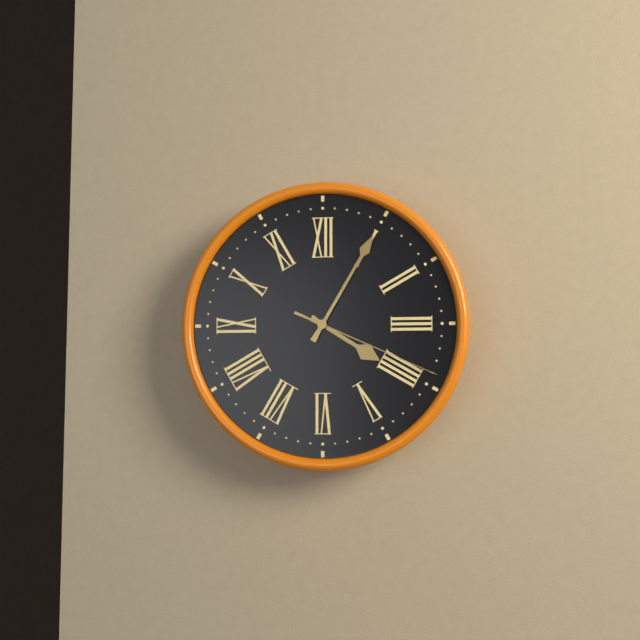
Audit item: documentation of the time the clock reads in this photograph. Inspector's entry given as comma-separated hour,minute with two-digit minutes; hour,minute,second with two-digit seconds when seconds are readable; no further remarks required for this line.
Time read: 4,05,19
